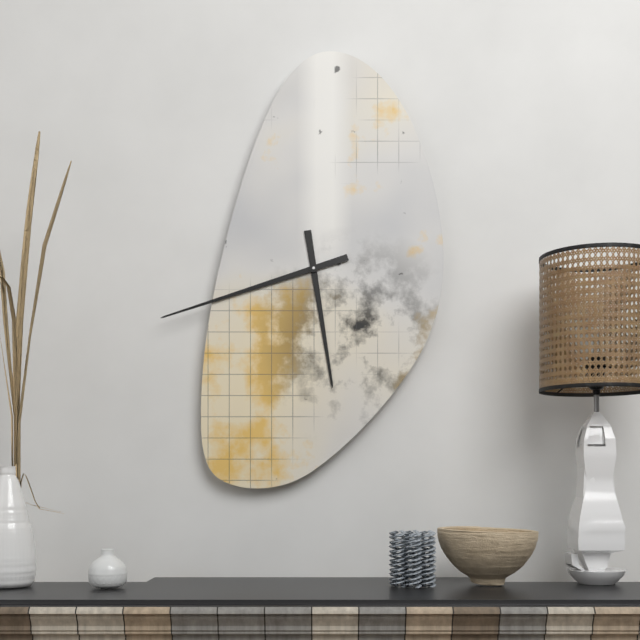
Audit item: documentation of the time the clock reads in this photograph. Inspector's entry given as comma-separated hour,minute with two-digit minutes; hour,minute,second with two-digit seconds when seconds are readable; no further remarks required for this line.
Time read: 5,42
